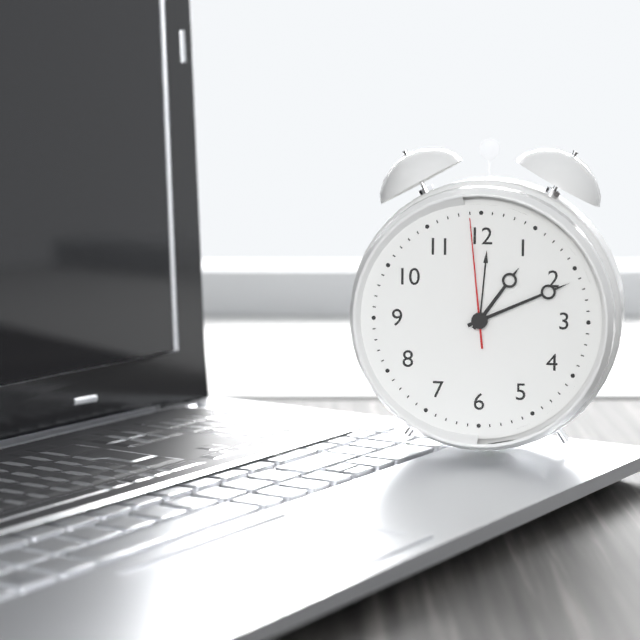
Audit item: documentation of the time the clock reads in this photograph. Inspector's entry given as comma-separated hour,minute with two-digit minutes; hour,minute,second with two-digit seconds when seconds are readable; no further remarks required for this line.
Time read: 1,11,59
